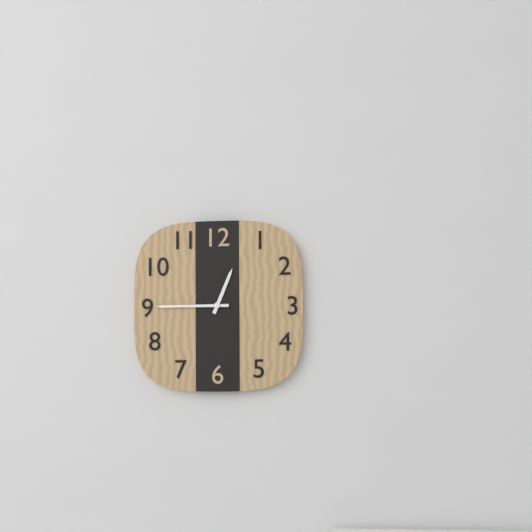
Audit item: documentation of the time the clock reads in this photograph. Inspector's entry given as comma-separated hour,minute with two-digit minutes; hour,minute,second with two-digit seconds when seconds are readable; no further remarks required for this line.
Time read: 12,45
